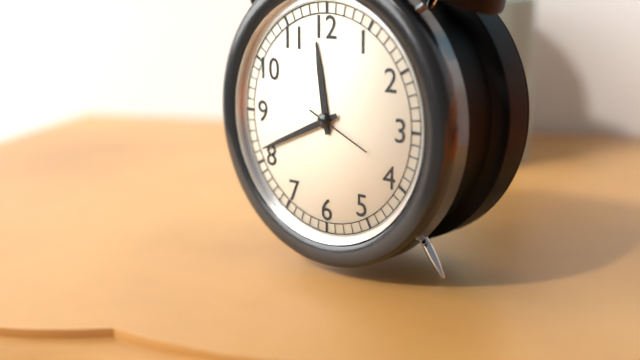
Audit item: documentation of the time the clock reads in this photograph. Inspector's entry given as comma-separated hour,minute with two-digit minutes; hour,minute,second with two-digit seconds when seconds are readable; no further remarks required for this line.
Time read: 11,41,19
